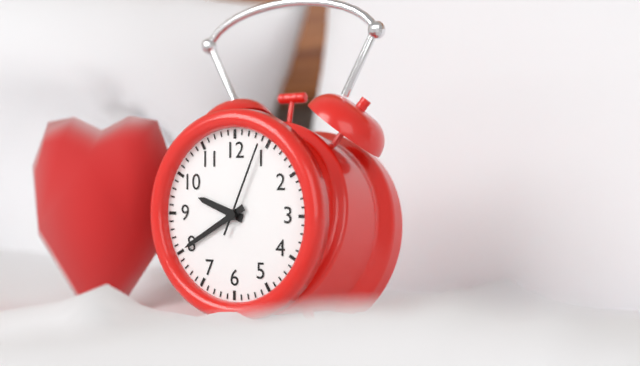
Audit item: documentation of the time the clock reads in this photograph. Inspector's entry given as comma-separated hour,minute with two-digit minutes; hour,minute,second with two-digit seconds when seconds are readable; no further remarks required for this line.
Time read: 9,40,04
